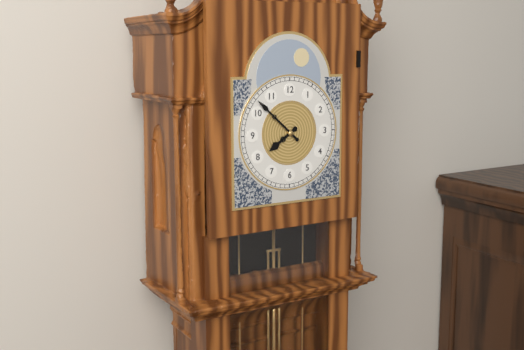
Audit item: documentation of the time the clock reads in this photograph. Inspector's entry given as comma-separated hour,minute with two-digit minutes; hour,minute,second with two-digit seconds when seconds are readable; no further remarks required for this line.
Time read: 7,52
